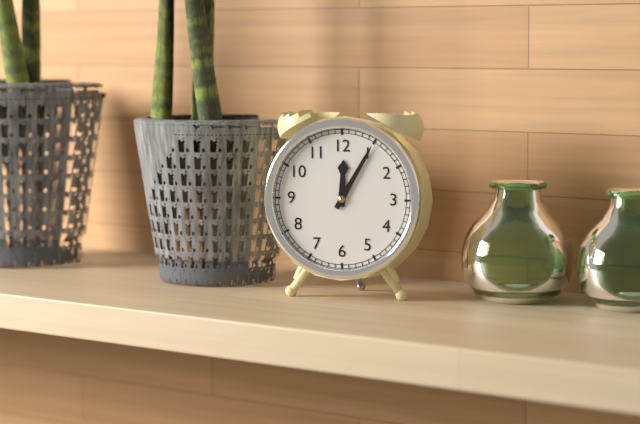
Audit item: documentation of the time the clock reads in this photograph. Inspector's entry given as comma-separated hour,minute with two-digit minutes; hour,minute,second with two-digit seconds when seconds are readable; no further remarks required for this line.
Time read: 12,05
